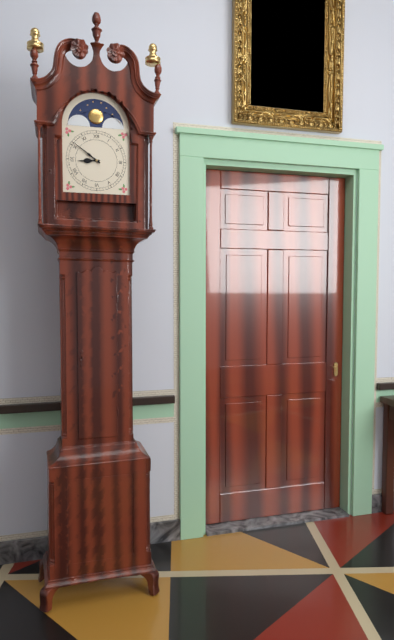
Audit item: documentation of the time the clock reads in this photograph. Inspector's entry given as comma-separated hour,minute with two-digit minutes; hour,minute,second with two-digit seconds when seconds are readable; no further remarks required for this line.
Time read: 8,51
